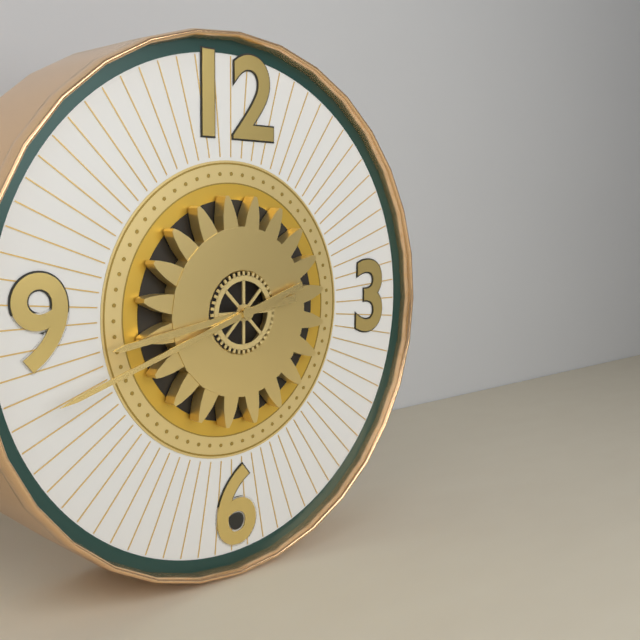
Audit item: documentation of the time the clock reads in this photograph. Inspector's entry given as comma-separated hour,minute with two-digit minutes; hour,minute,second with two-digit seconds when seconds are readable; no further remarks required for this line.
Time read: 8,42
